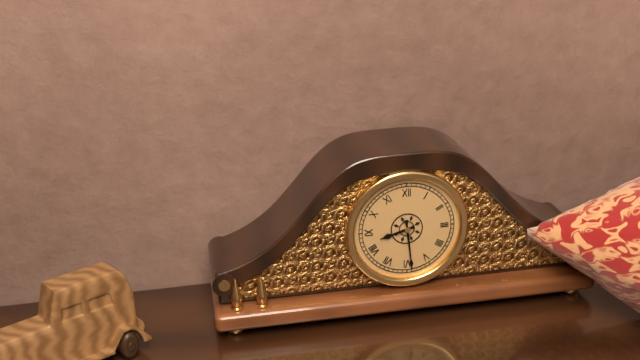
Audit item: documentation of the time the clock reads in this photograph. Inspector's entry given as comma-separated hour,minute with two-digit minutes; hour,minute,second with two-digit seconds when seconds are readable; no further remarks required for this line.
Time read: 8,29
